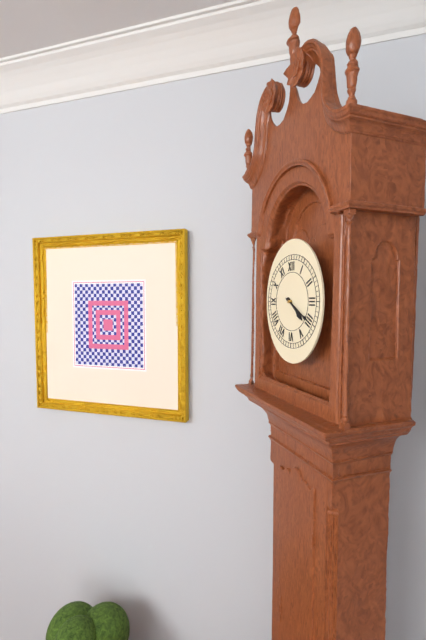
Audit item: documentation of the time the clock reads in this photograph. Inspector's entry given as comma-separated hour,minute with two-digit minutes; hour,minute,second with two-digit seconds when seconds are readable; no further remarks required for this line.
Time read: 4,20
